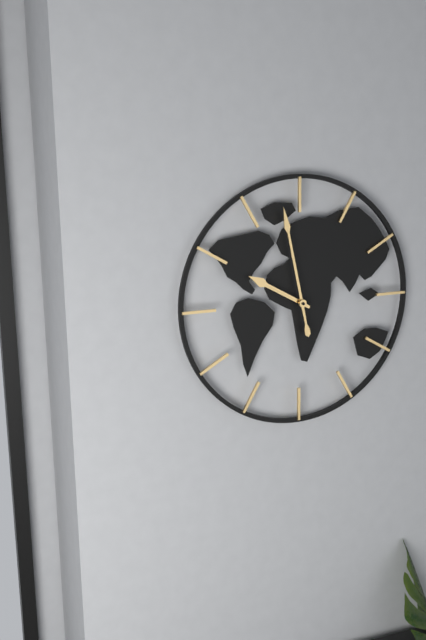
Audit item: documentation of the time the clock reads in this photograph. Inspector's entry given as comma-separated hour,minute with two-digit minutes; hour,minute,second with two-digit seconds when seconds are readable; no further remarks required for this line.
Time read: 9,58
